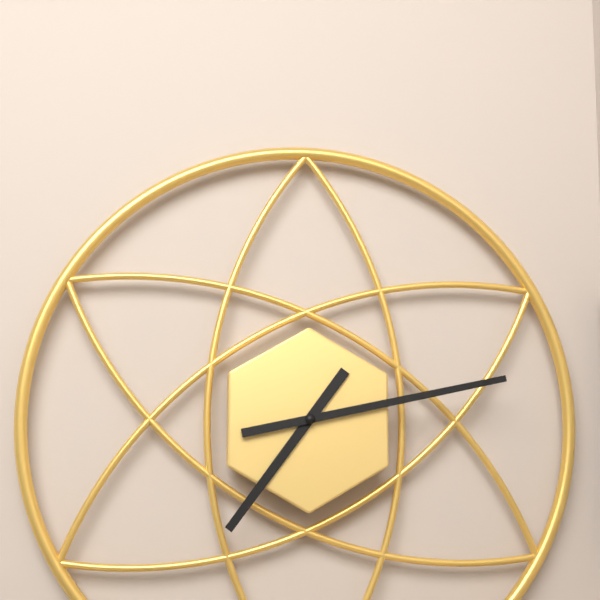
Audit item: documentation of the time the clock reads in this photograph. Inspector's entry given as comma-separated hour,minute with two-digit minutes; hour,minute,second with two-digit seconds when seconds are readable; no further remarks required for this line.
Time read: 7,13
